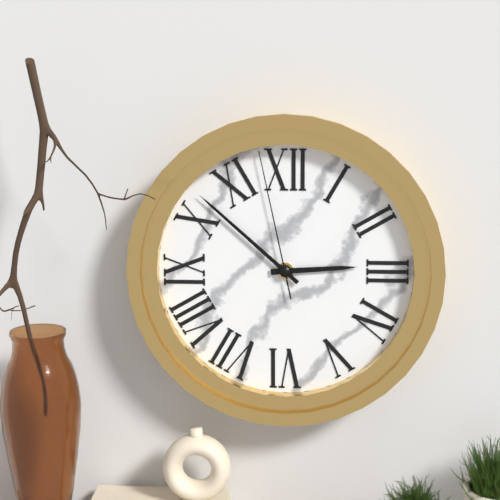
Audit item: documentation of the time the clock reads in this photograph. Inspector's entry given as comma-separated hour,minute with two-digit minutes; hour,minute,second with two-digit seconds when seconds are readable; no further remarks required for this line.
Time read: 2,52,58
